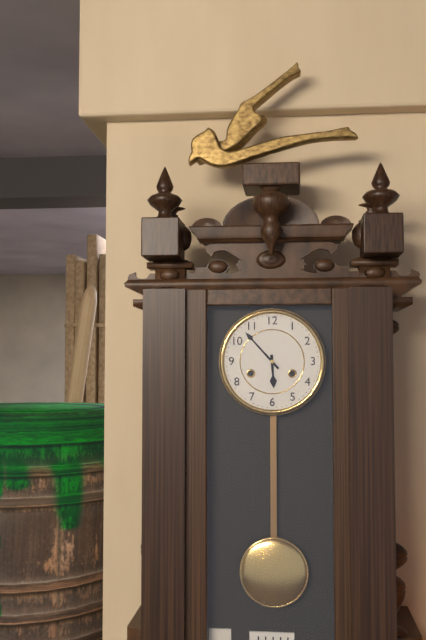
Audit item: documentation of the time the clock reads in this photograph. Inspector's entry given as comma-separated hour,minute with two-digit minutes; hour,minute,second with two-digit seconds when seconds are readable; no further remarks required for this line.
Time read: 5,53
